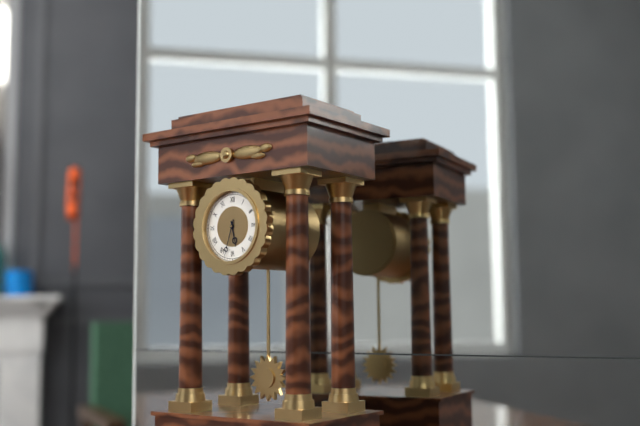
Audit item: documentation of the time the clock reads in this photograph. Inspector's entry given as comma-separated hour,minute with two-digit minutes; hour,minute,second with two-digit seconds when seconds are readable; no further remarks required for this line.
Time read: 5,33
